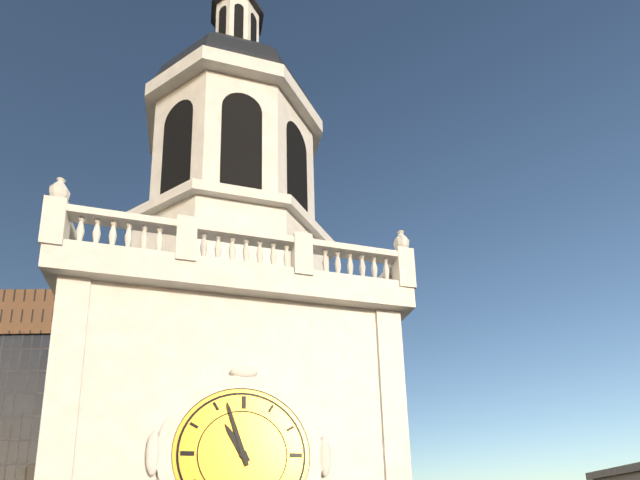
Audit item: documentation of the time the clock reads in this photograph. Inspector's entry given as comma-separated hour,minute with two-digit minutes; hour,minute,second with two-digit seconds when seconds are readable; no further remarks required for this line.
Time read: 10,57
